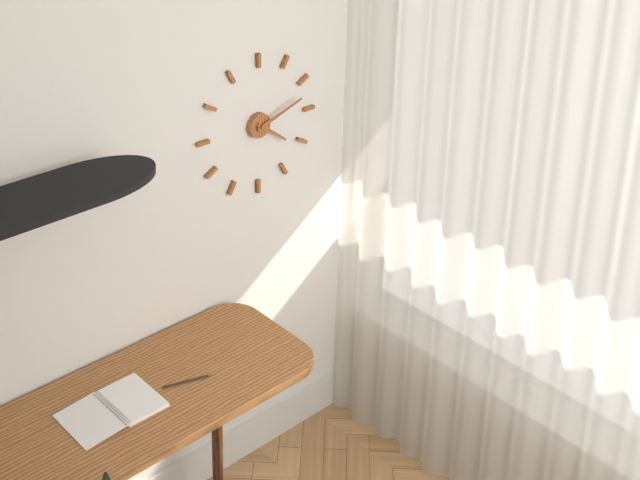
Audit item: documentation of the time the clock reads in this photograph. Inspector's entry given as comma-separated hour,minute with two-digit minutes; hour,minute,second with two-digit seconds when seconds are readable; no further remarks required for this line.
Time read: 4,12
